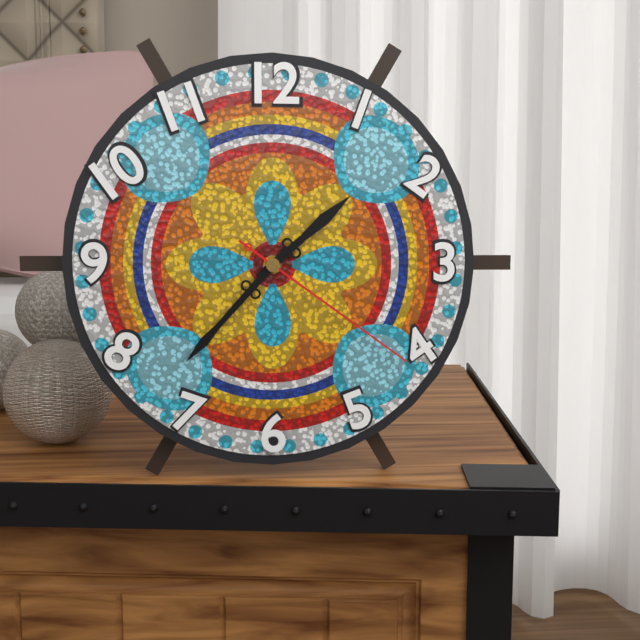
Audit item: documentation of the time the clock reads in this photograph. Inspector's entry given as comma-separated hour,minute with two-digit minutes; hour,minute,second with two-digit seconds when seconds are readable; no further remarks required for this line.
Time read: 1,37,21
